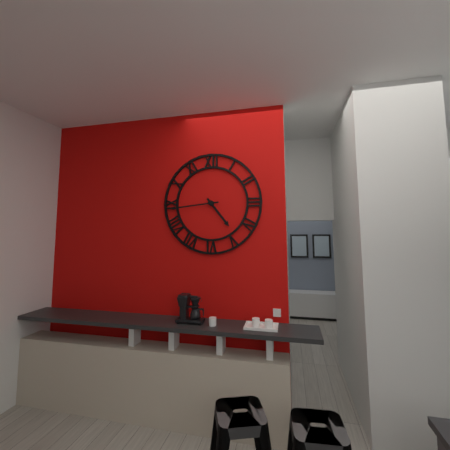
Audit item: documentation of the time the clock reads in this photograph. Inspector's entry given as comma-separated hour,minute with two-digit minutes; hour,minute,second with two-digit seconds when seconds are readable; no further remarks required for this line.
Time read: 4,44
